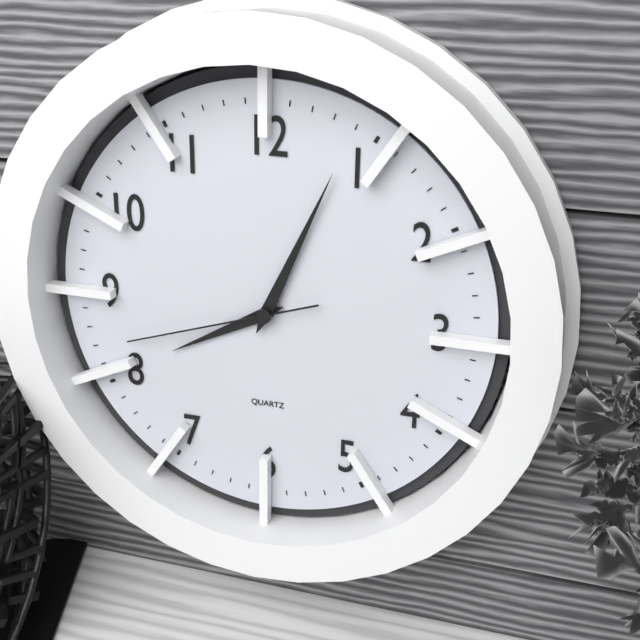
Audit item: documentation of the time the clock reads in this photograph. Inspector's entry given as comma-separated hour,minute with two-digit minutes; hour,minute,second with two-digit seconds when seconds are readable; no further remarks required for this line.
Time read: 8,04,42
